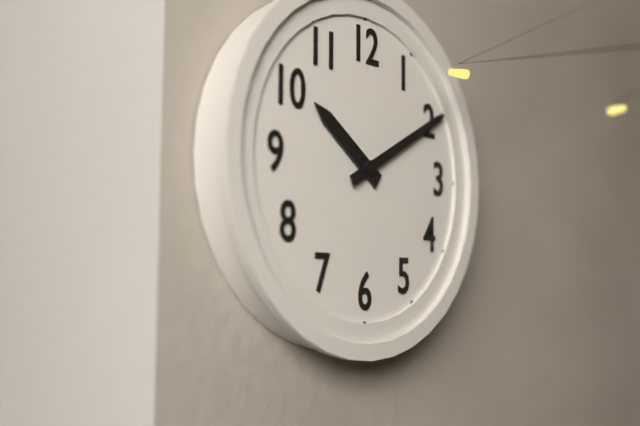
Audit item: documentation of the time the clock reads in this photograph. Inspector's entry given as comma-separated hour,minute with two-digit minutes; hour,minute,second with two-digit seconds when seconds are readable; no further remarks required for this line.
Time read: 10,10
